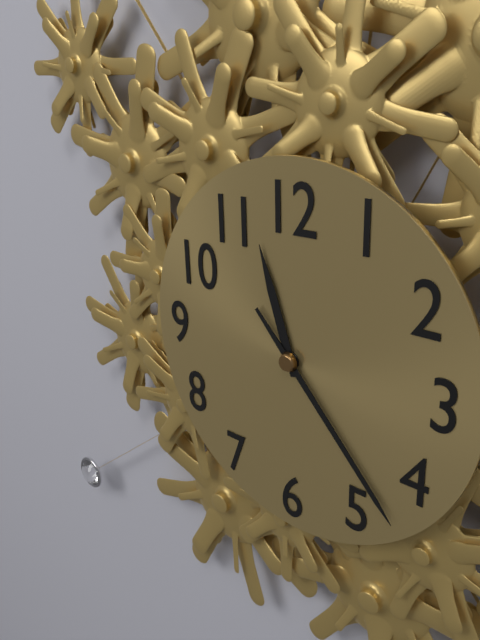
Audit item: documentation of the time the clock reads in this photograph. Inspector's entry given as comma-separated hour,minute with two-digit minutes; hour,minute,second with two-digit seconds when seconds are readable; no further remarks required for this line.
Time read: 11,23
